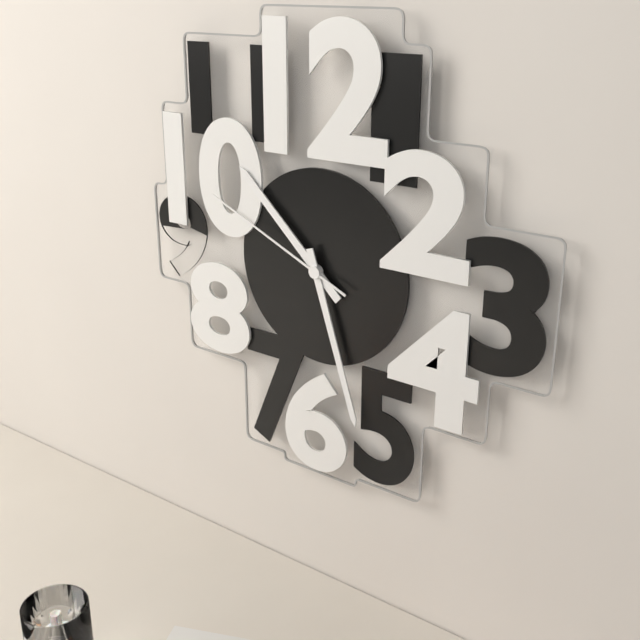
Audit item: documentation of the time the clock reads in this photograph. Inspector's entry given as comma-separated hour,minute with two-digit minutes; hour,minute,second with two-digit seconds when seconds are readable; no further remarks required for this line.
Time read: 10,27,49
